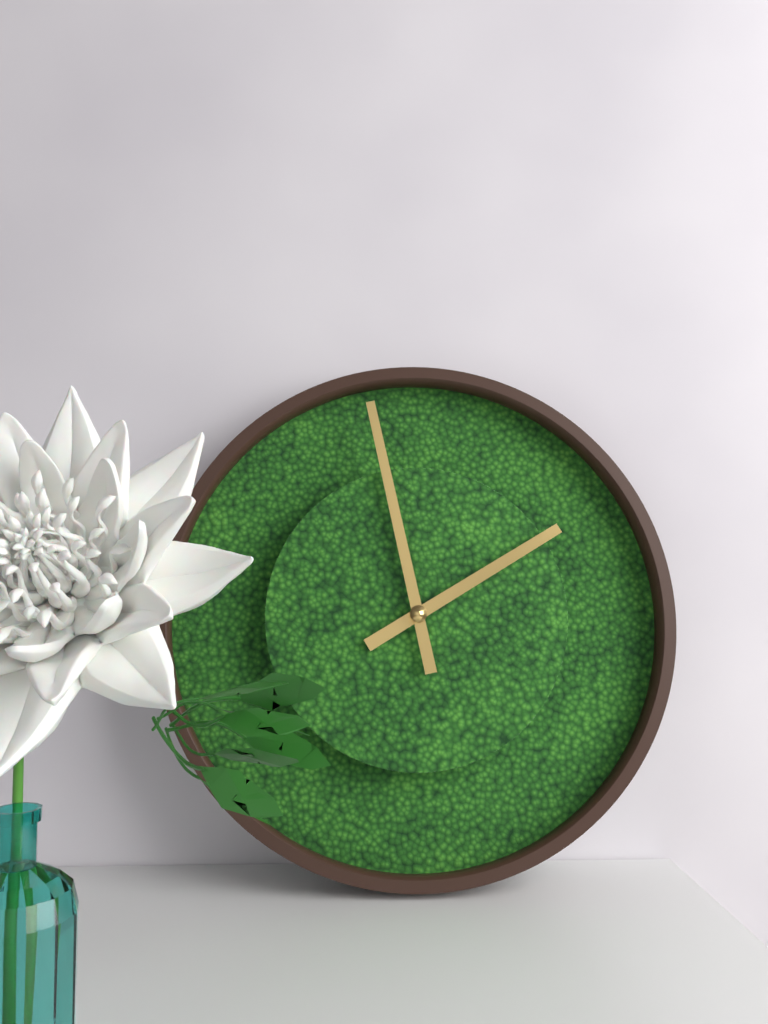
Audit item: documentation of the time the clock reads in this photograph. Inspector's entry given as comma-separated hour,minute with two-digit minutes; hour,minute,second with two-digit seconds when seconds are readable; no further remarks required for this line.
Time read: 1,58
